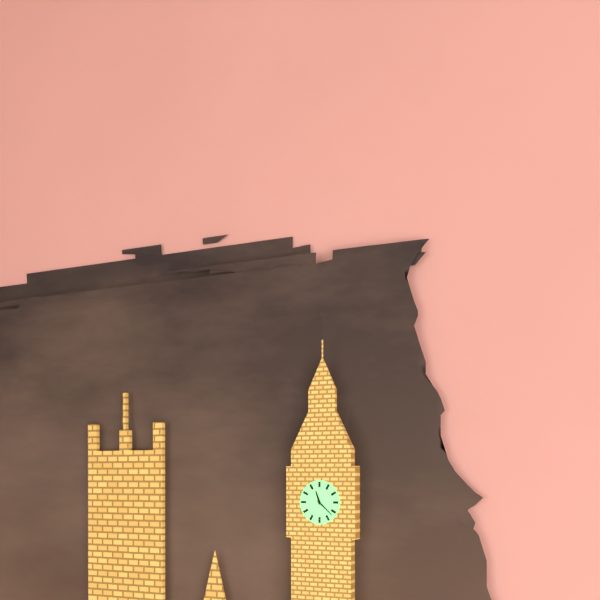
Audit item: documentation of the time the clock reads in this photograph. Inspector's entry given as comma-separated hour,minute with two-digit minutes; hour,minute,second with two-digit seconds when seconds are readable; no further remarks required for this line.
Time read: 11,22
